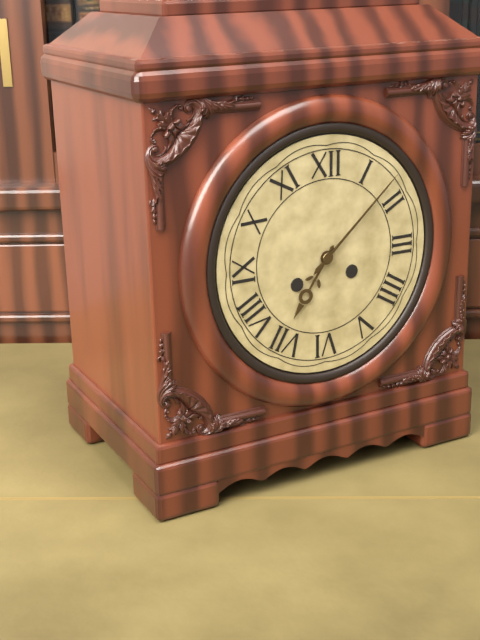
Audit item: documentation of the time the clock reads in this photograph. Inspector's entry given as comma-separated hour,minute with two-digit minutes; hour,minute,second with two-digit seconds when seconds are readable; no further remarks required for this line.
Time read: 7,08
